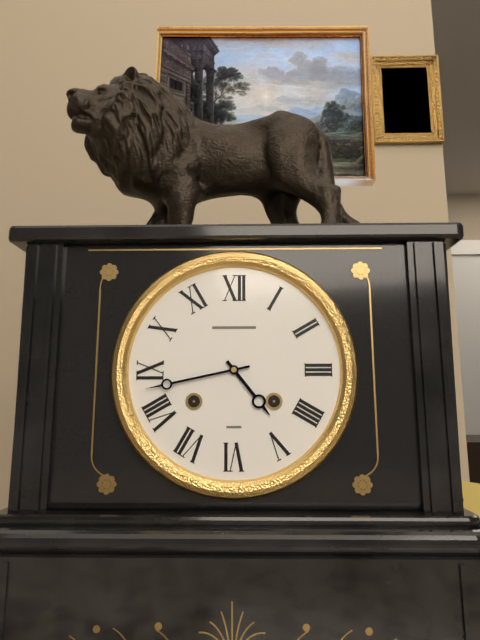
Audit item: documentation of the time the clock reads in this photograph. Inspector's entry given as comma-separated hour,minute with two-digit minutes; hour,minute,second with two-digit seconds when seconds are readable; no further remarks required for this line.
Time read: 4,43
